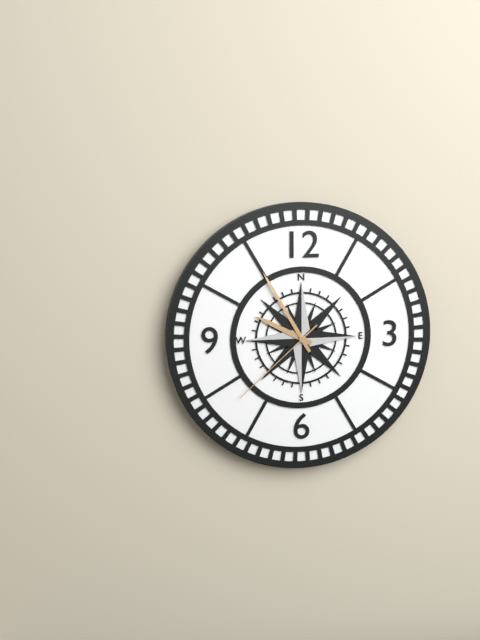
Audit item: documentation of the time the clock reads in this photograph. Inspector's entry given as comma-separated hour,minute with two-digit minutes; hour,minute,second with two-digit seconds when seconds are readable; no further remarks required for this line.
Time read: 9,55,38
